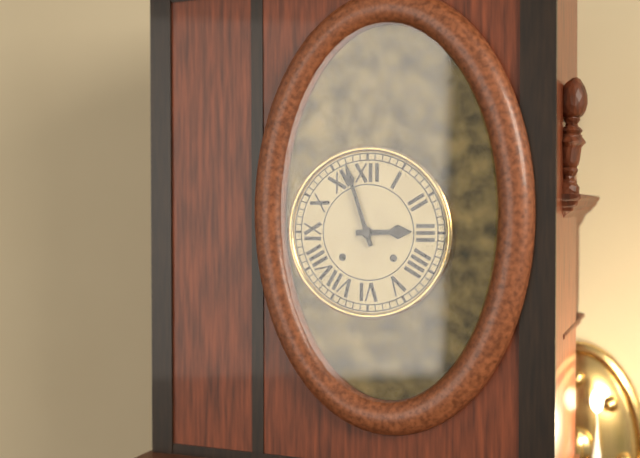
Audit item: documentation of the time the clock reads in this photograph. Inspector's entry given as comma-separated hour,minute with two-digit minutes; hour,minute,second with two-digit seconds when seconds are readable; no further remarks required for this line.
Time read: 2,57
